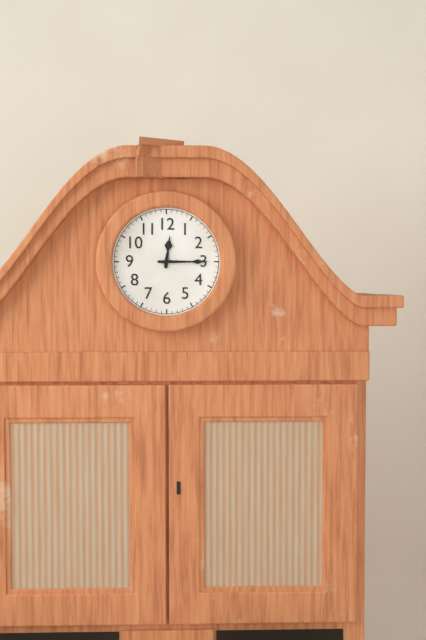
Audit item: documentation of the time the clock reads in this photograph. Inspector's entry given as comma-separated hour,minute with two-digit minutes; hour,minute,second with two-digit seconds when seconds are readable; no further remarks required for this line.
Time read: 12,15
